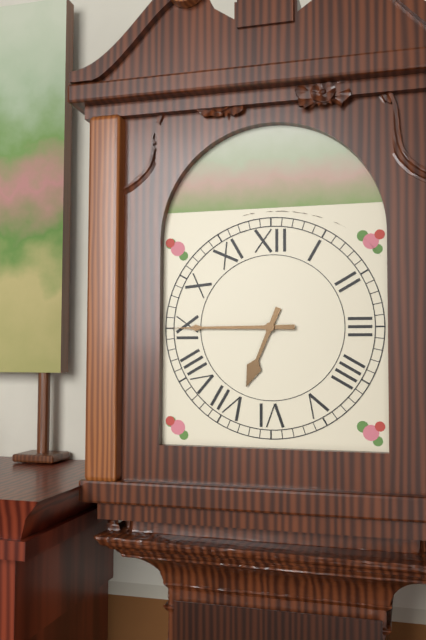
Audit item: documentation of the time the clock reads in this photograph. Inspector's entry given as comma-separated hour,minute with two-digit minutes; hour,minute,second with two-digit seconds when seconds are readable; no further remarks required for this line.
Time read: 6,45
